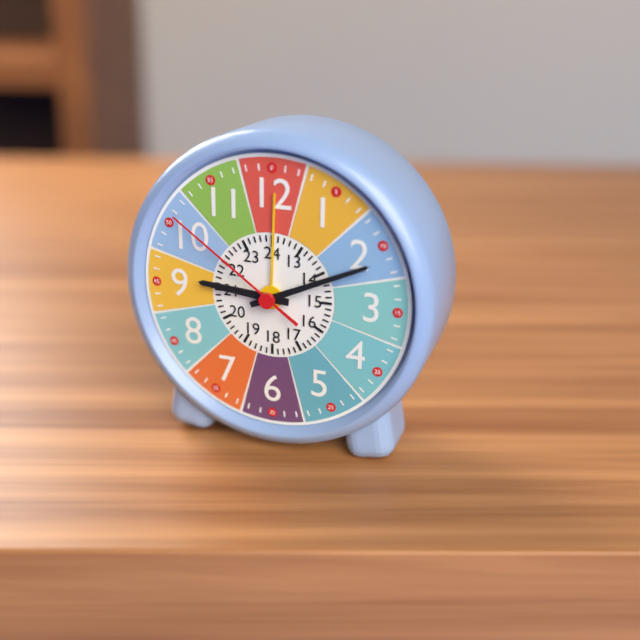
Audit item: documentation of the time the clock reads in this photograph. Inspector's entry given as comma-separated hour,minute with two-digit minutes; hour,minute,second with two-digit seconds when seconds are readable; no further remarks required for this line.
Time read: 9,11,51
